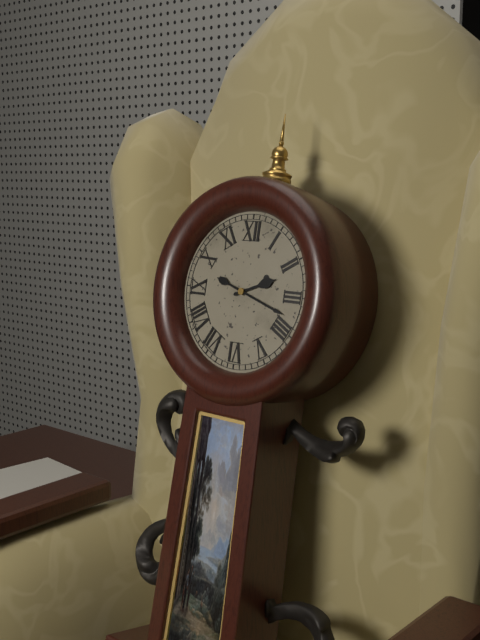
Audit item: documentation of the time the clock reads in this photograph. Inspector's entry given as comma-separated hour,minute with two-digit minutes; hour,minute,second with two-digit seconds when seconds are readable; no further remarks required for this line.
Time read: 2,18
